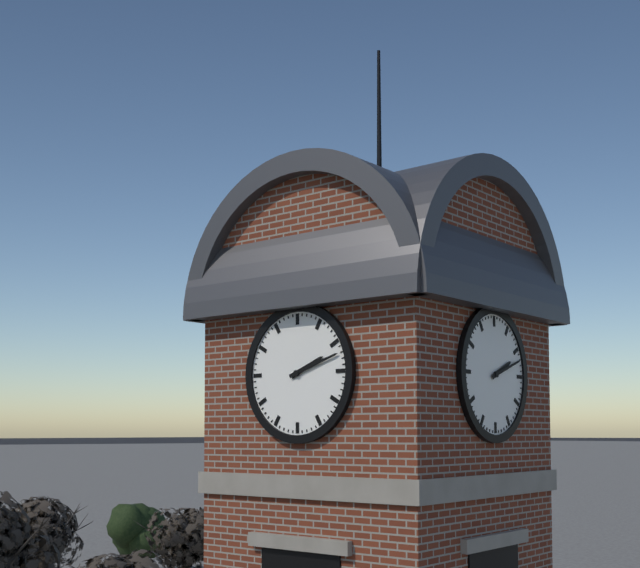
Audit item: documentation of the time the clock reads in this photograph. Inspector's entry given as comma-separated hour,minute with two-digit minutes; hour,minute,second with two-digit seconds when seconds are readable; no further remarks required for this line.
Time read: 2,12
